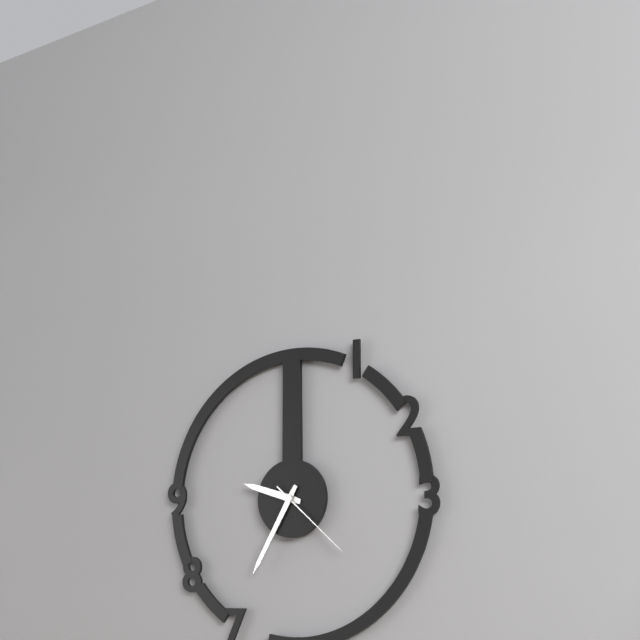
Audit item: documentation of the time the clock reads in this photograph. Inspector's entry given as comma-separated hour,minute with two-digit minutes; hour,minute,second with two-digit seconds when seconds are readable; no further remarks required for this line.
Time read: 9,35,22
